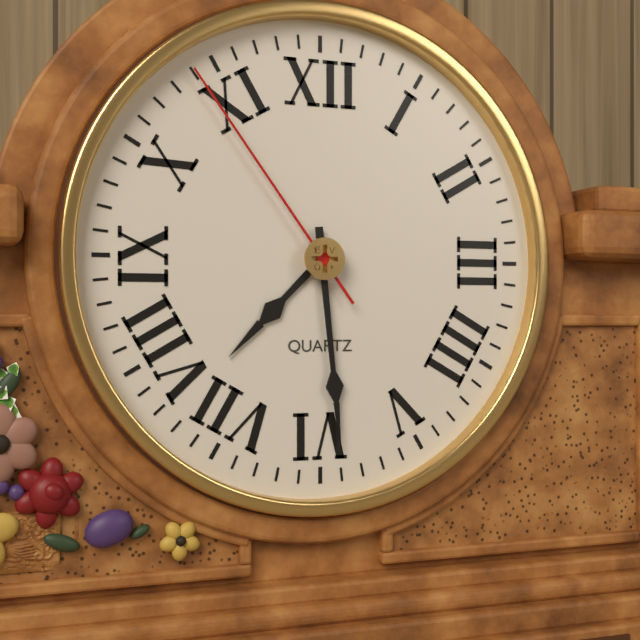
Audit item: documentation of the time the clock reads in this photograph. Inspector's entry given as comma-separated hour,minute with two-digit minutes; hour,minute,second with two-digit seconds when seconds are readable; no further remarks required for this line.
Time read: 7,29,54
